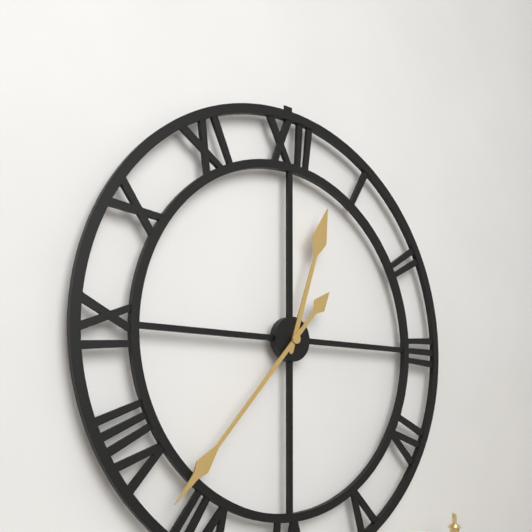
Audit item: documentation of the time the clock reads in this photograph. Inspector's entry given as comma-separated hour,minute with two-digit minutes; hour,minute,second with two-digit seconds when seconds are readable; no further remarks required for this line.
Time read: 12,37
